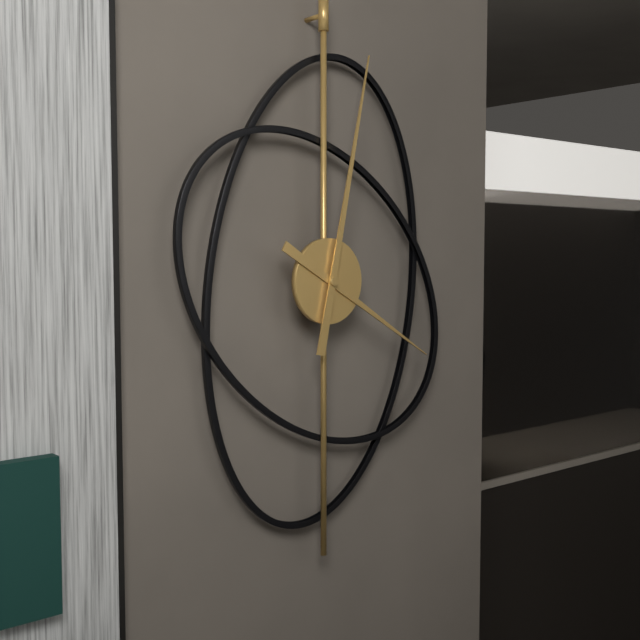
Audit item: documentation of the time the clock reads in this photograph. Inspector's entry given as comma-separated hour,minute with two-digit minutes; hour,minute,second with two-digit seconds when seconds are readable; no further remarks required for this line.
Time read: 4,02
